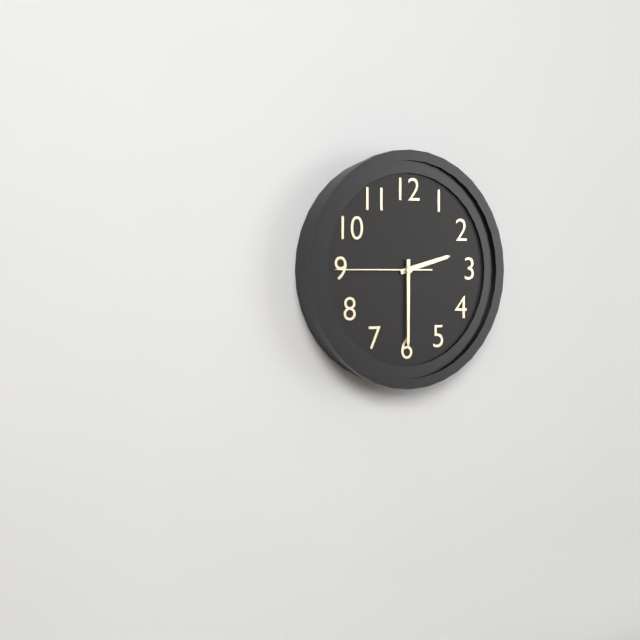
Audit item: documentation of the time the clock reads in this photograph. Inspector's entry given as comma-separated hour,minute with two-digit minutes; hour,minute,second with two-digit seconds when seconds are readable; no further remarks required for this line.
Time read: 2,30,45
